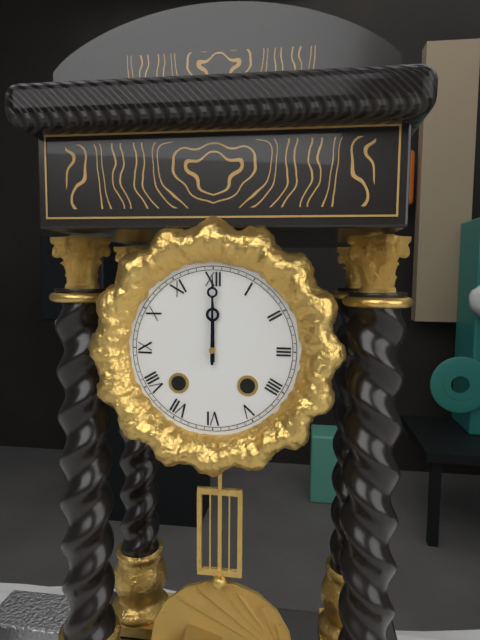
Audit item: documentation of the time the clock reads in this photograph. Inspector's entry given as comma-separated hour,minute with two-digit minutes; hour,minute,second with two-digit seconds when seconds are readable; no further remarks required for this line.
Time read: 12,00
